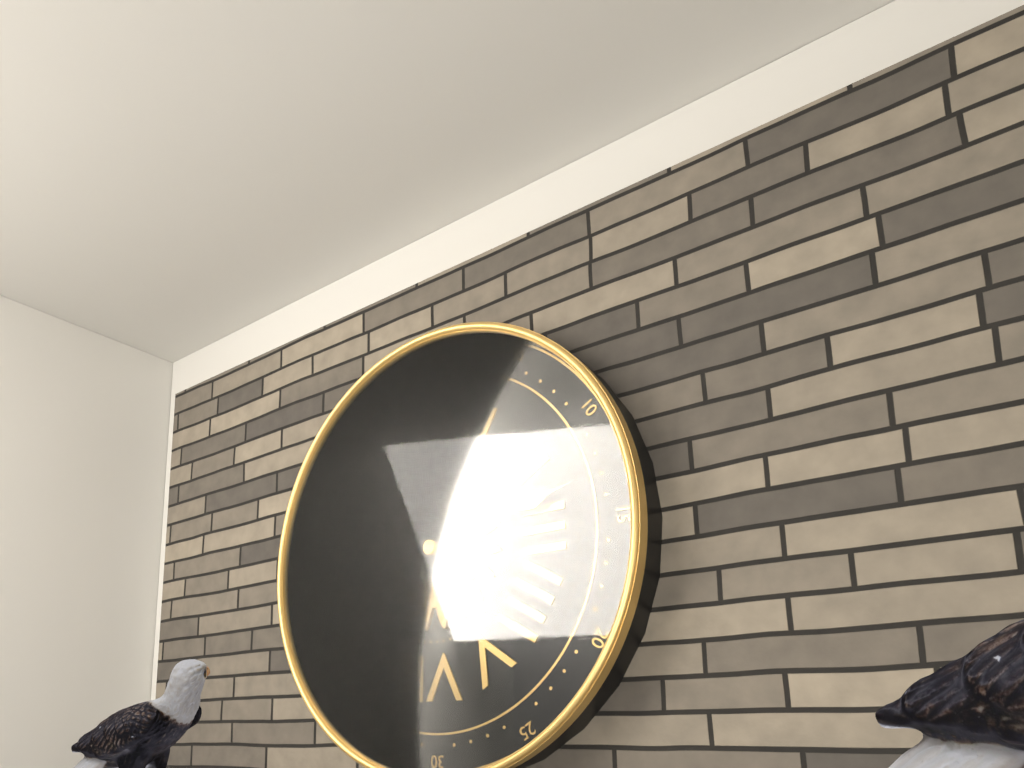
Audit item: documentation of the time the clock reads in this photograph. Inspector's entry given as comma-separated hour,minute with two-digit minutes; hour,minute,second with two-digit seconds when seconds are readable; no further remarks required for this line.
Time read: 9,13
